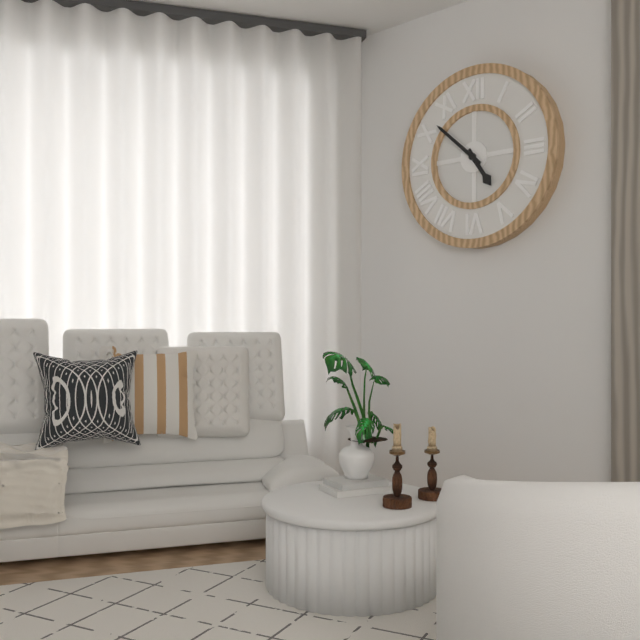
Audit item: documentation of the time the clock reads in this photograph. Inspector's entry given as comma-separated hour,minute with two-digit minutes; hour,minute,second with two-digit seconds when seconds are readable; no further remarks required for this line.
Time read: 4,52
